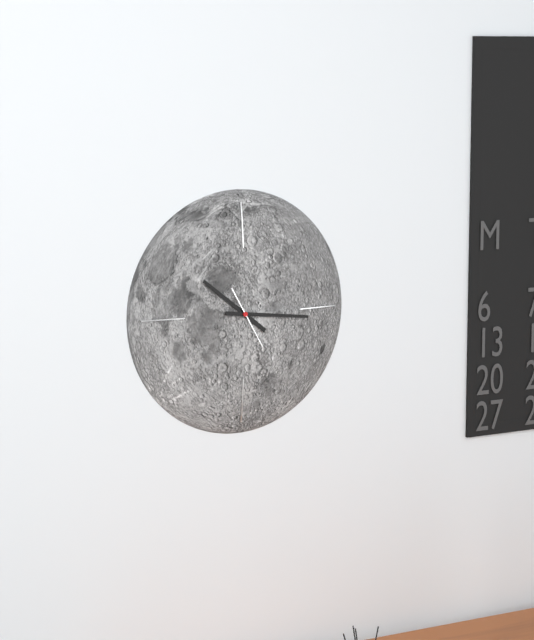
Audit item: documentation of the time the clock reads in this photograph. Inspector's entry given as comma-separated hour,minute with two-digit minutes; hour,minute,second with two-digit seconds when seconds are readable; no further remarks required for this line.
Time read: 10,16
